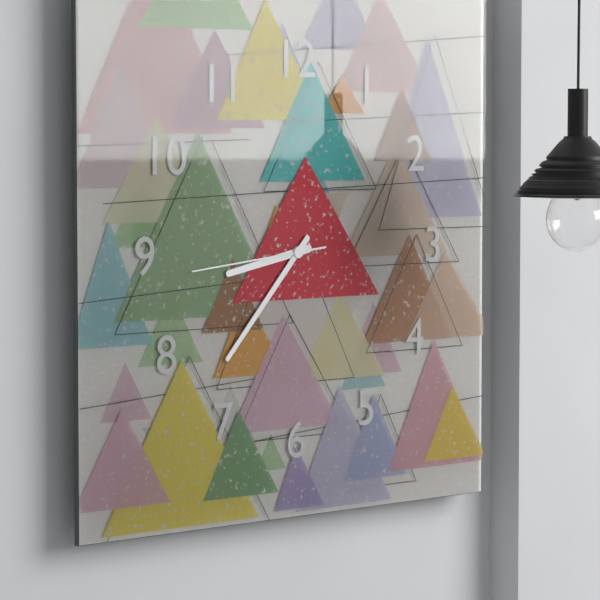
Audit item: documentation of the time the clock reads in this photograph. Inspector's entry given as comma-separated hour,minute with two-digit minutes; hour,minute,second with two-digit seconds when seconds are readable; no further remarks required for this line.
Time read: 8,37,44
